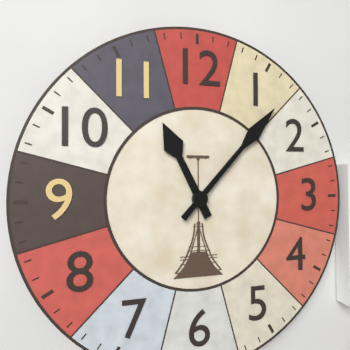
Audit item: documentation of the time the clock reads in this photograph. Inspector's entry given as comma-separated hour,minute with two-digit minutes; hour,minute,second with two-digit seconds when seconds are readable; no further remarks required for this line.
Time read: 11,07
